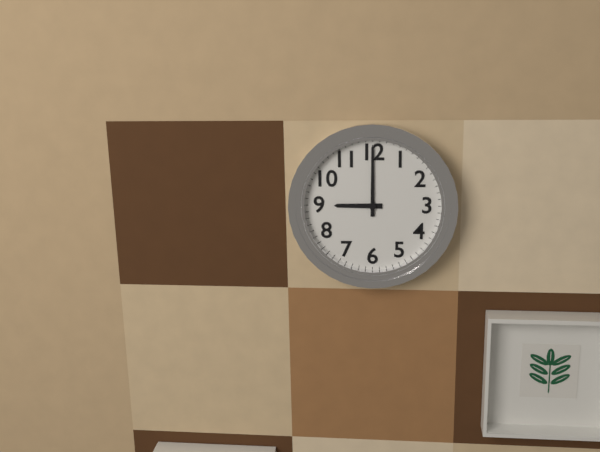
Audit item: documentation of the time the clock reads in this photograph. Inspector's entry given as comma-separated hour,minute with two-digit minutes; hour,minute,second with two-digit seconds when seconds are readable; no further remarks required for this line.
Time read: 9,00
